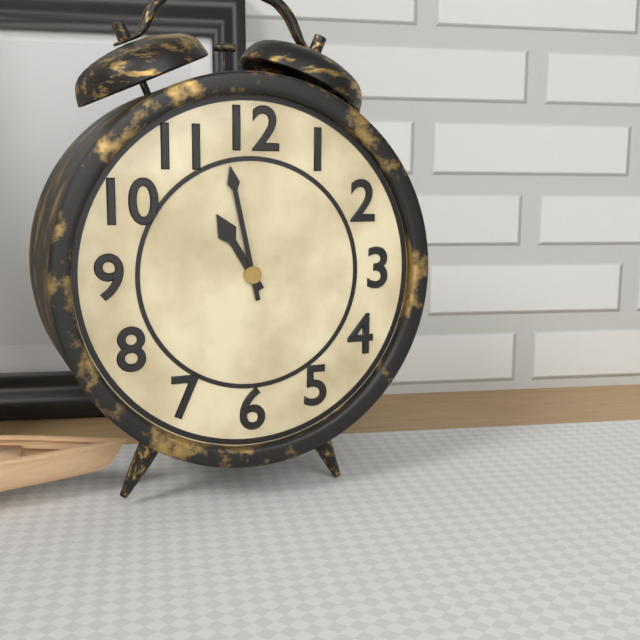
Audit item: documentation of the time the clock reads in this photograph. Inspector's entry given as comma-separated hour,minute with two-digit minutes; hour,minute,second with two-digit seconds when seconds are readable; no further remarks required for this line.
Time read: 10,58
